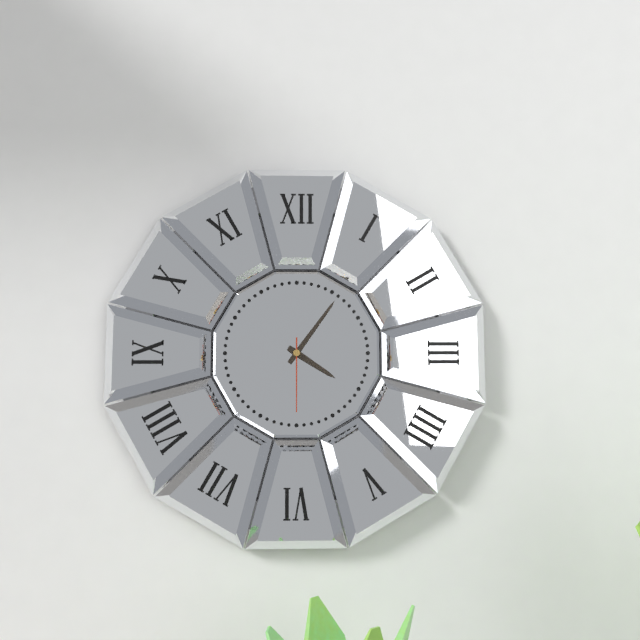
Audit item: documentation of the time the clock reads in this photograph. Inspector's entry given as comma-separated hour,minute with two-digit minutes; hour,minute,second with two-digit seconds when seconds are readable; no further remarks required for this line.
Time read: 4,06,30
